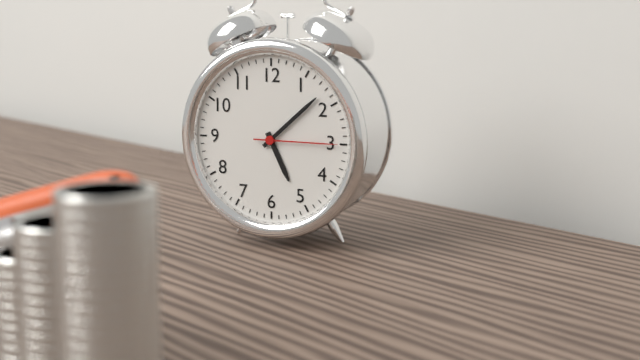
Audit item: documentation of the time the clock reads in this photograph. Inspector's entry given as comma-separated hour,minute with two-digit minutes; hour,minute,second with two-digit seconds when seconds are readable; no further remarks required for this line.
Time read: 5,08,15
